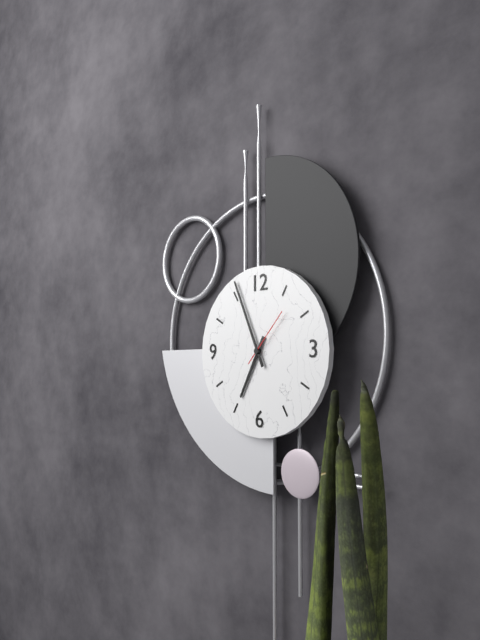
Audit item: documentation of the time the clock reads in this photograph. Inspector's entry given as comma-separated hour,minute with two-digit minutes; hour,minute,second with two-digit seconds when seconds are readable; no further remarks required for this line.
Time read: 6,56,07
